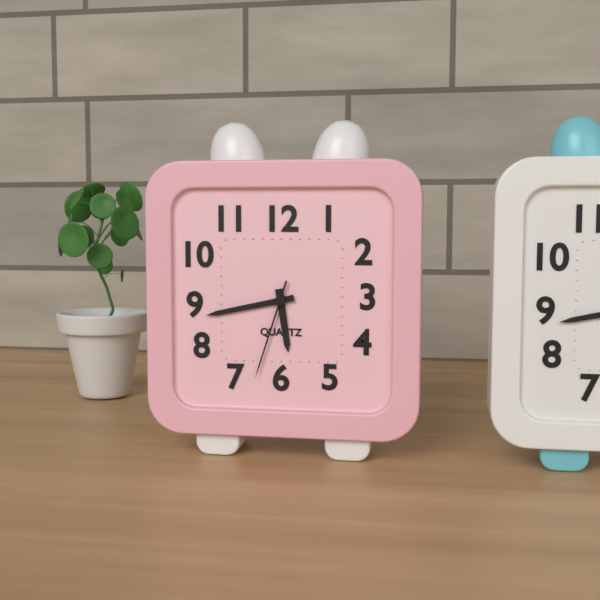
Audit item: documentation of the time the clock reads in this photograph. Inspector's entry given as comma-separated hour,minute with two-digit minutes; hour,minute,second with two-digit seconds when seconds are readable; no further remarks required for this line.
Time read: 5,43,33
